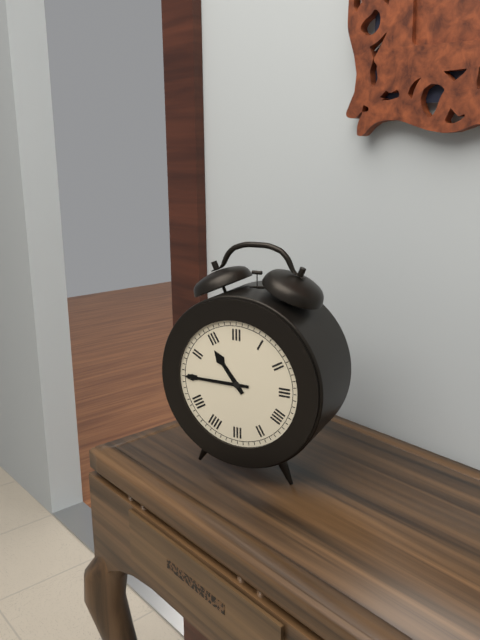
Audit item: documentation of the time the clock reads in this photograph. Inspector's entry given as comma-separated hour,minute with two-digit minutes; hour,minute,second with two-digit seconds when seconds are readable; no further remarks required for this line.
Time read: 10,45
